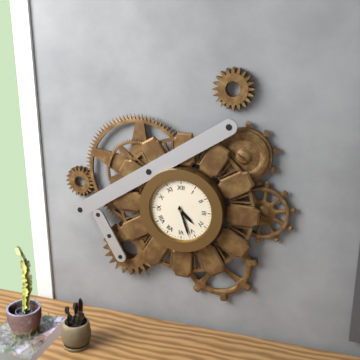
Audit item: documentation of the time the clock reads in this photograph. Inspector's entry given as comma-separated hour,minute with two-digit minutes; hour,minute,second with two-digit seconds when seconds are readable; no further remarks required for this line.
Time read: 4,27
